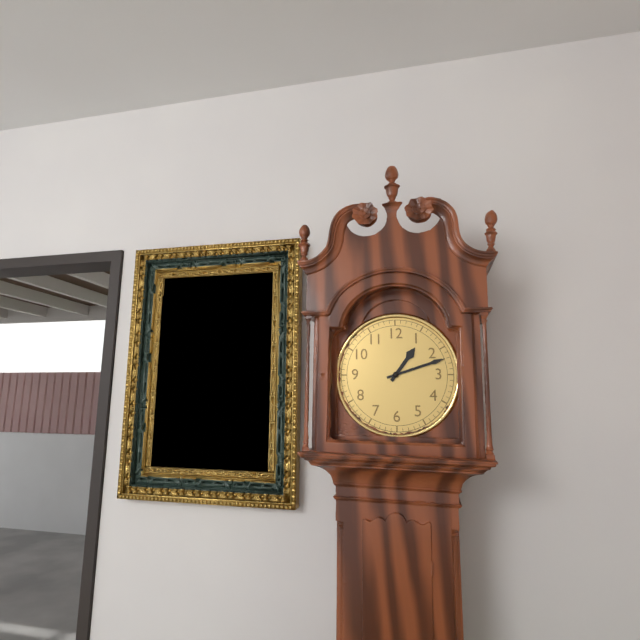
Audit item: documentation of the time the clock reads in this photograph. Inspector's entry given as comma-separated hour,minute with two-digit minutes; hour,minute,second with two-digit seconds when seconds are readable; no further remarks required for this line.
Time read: 1,12
